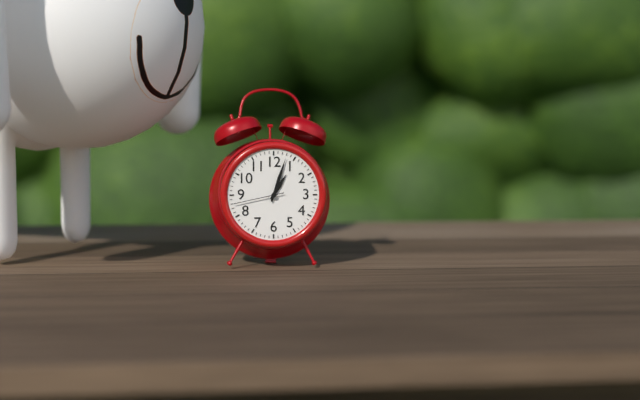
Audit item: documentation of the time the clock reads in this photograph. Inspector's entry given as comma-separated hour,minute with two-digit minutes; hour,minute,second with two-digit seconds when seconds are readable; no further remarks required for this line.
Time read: 1,03,43
